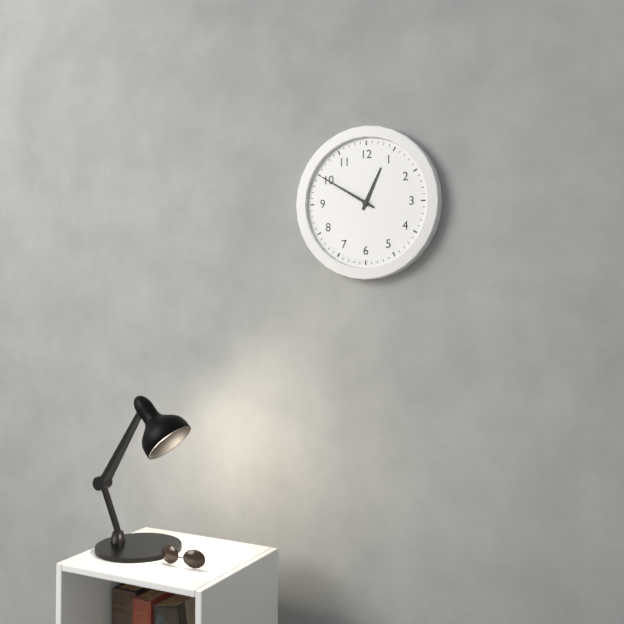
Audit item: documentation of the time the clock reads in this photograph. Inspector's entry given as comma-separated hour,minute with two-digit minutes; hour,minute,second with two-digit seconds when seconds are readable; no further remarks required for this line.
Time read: 12,50
